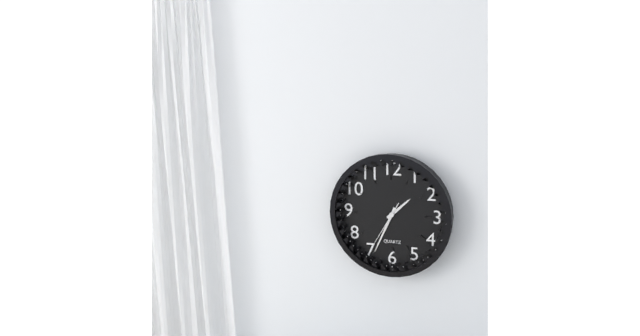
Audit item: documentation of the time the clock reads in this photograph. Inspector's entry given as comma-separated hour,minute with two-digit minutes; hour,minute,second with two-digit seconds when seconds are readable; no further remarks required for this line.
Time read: 1,34,35
